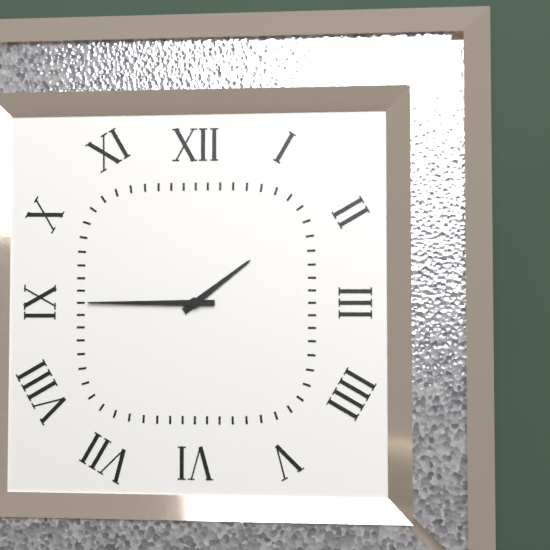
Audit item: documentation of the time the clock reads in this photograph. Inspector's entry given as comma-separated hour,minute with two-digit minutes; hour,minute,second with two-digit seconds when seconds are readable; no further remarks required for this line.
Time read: 1,45
